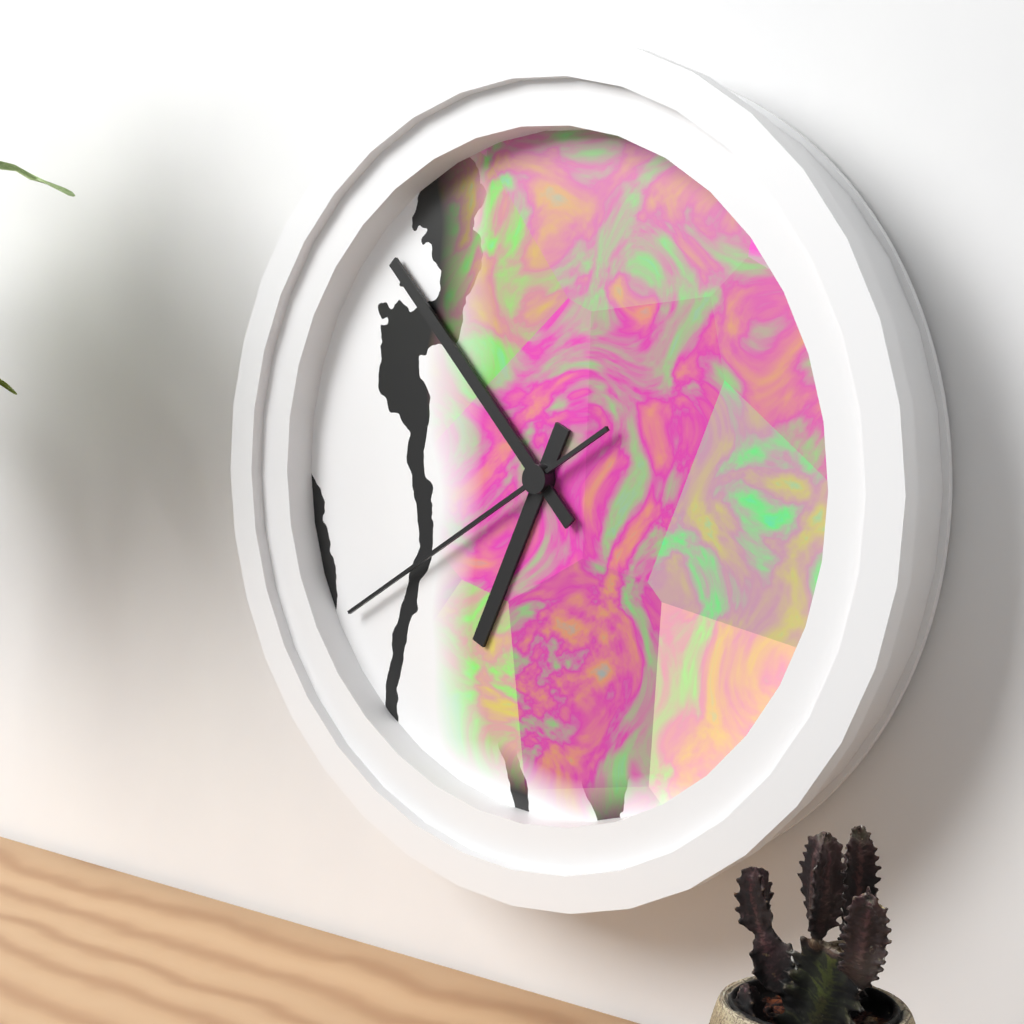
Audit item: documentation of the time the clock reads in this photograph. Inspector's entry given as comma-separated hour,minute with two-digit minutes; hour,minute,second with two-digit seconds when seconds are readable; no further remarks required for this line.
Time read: 6,53,40
